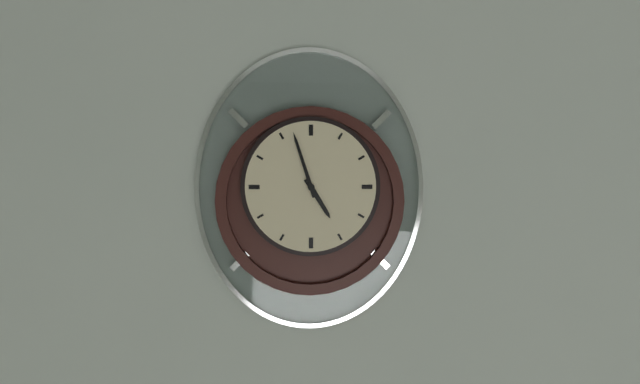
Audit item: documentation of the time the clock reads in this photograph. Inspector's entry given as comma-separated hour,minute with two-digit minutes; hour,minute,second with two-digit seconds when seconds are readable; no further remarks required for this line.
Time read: 4,57
